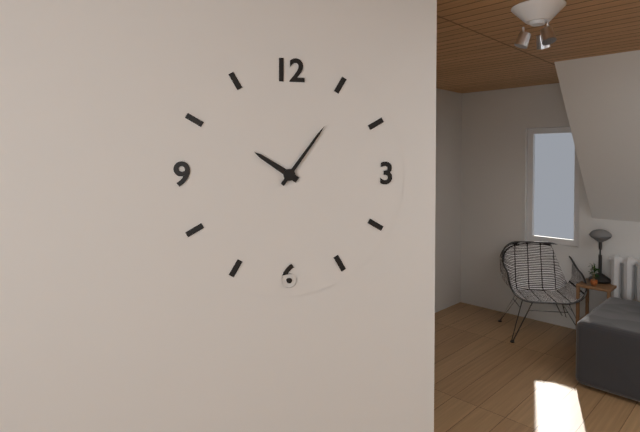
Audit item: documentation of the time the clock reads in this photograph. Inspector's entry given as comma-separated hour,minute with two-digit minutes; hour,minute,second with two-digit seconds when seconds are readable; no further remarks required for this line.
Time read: 10,06
